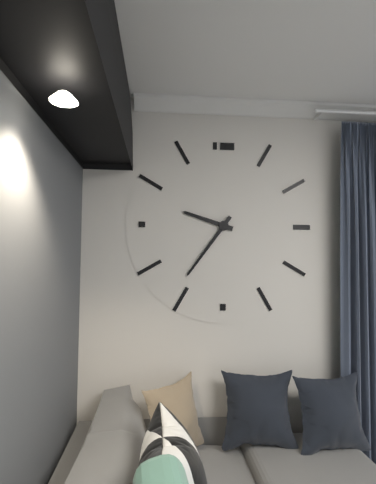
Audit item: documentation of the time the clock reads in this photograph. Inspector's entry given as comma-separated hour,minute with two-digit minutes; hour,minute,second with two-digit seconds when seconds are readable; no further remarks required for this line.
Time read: 9,36
